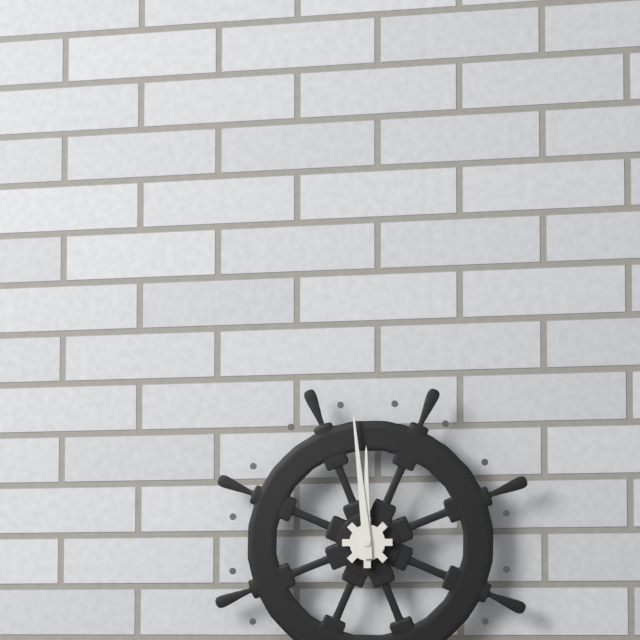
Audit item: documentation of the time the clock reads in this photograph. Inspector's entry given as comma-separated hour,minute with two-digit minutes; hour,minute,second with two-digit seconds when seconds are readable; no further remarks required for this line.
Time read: 11,59
